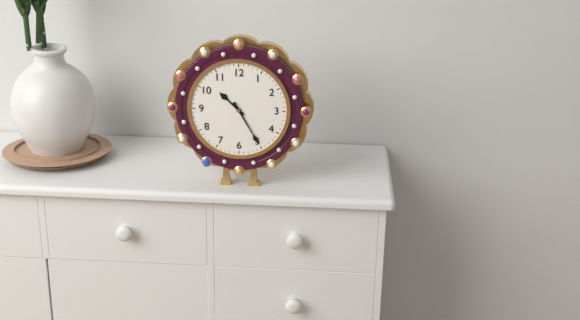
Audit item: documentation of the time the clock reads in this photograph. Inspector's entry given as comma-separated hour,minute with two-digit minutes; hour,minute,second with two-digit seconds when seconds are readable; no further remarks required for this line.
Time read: 10,25
